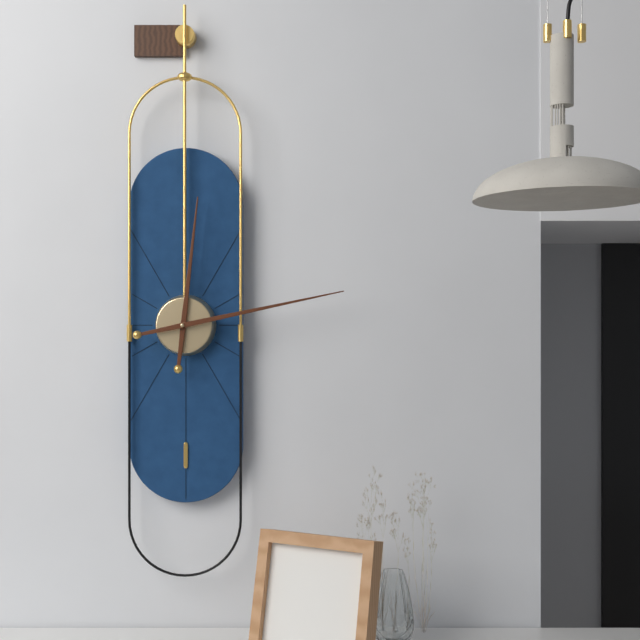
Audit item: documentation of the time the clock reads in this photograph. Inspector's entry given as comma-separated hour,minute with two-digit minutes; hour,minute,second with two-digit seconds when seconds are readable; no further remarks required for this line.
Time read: 12,13
